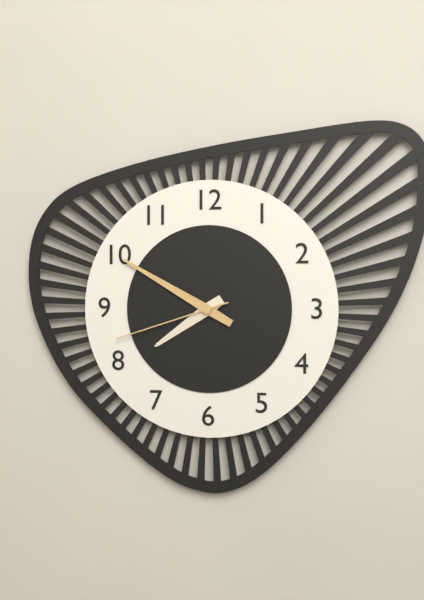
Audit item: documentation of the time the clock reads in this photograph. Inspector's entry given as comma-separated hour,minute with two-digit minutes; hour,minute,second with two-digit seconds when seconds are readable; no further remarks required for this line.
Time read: 7,50,42
